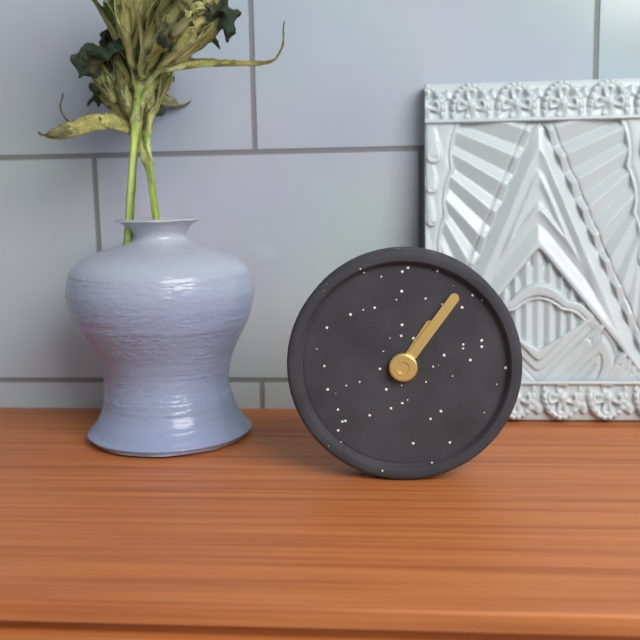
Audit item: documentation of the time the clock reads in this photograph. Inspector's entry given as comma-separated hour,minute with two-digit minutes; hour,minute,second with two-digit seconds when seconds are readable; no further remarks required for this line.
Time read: 1,06
